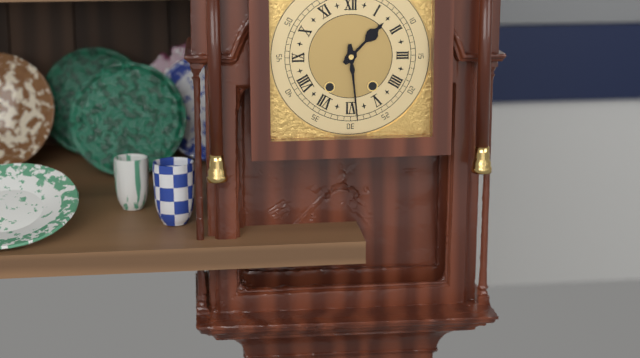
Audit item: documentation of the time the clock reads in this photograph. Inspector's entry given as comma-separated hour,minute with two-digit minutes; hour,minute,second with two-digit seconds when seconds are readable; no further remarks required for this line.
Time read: 1,29
